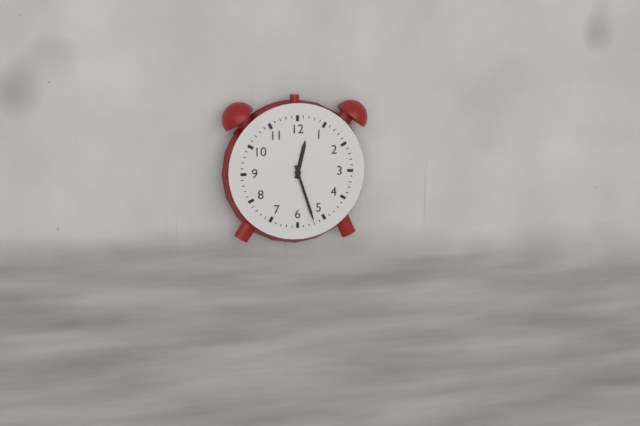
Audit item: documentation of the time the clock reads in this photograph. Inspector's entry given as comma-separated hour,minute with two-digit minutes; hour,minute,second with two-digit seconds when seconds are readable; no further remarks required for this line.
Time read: 12,27
